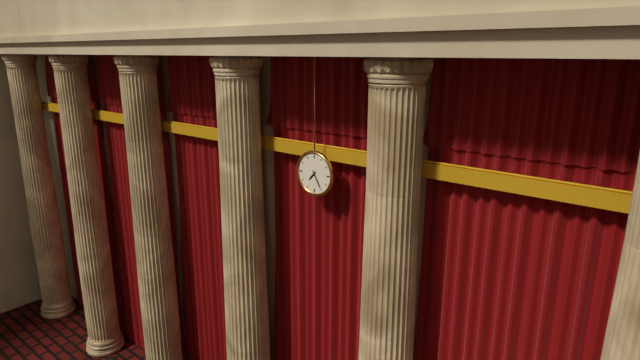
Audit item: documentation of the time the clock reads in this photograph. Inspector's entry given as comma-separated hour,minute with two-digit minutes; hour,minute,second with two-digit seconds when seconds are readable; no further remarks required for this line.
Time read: 7,25
